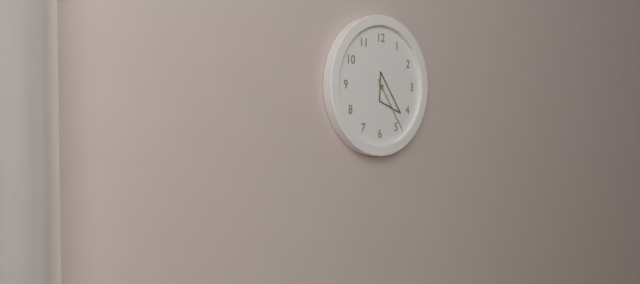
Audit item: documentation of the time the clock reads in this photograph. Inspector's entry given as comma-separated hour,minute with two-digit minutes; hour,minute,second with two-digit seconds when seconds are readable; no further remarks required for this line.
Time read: 4,24
